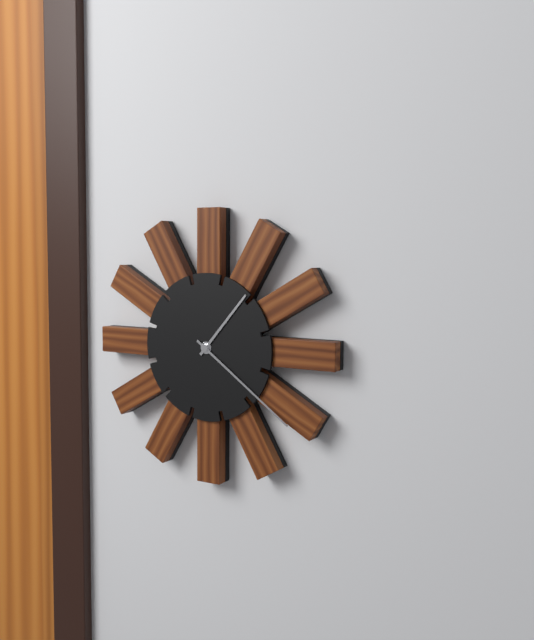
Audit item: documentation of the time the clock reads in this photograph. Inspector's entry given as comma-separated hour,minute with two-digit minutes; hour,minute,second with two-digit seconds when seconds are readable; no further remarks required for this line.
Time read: 1,21
